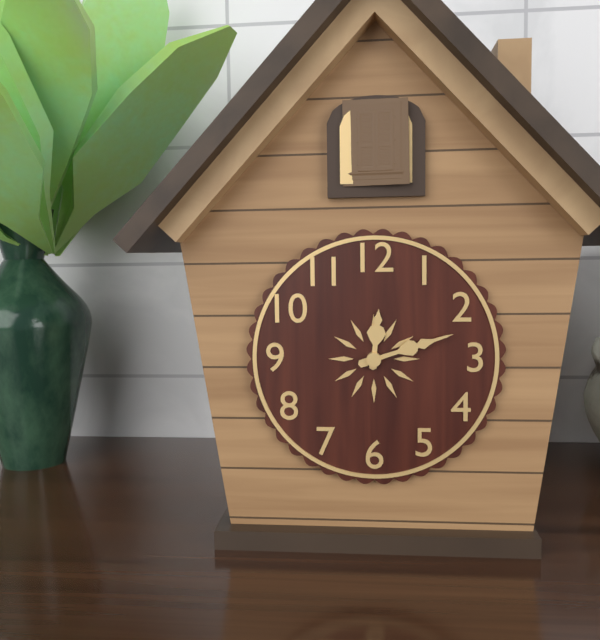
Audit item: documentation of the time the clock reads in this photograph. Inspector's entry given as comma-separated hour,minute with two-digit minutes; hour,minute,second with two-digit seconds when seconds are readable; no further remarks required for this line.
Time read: 12,12
